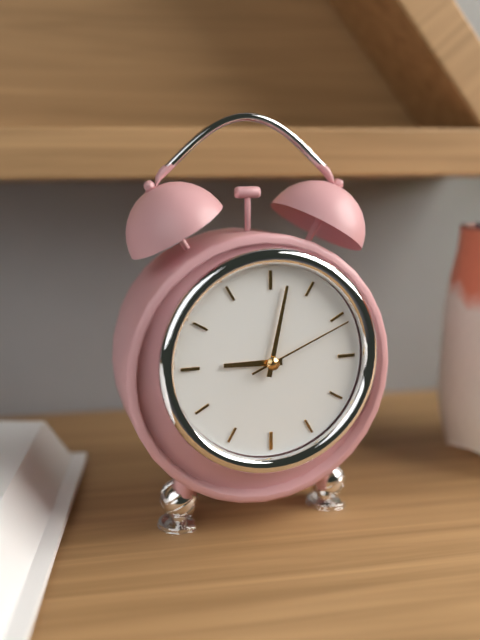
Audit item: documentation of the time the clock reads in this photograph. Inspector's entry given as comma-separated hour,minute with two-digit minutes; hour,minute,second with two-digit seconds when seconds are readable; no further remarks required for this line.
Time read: 9,02,11
